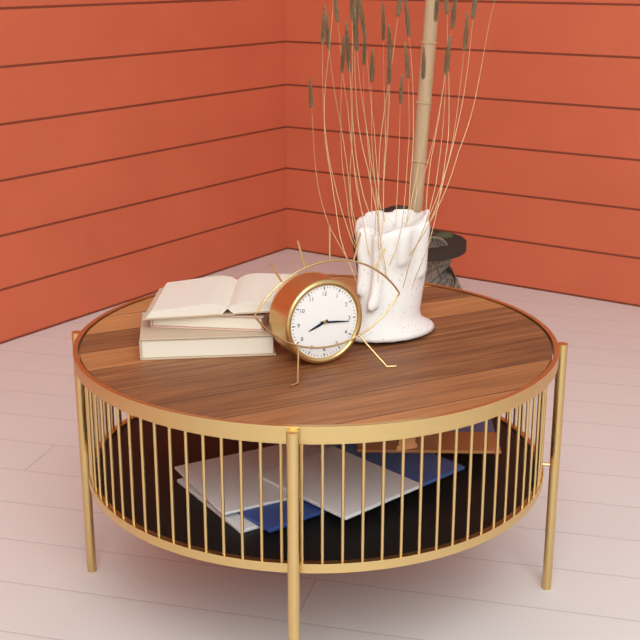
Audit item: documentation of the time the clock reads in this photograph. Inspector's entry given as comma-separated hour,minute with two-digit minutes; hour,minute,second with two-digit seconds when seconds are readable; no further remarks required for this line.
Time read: 8,16
